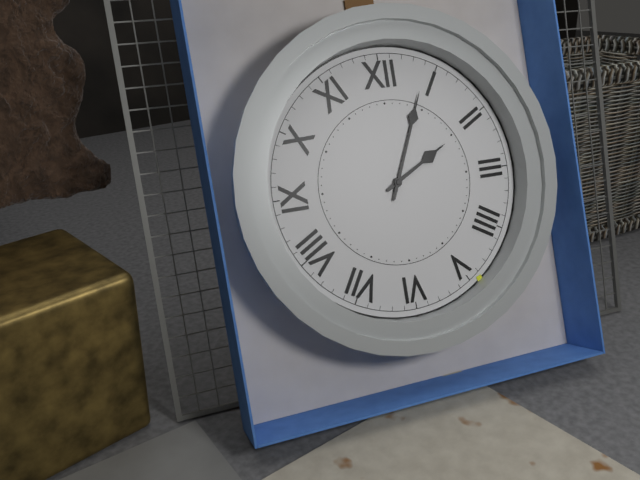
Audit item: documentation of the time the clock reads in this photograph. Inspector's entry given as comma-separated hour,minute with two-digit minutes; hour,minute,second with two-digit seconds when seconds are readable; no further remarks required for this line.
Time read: 2,04
